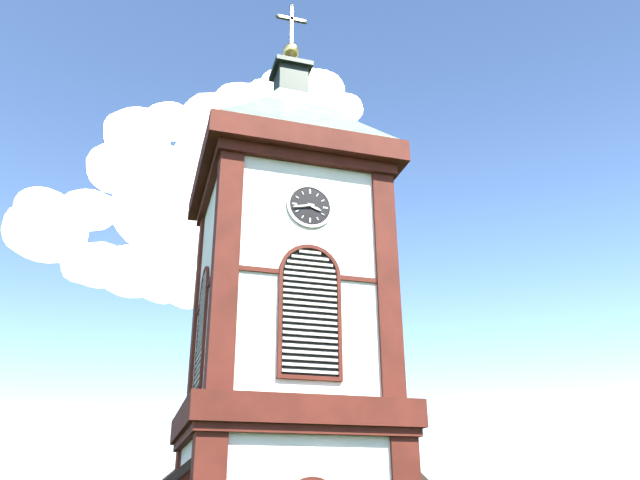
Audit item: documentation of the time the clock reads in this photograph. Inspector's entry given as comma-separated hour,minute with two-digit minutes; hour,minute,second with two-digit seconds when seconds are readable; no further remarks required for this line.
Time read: 3,43
